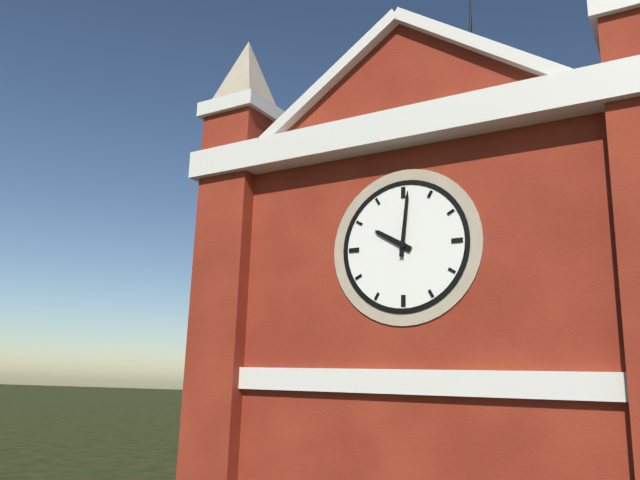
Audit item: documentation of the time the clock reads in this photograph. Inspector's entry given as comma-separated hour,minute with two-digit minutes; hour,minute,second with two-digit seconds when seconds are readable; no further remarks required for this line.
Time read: 10,01
